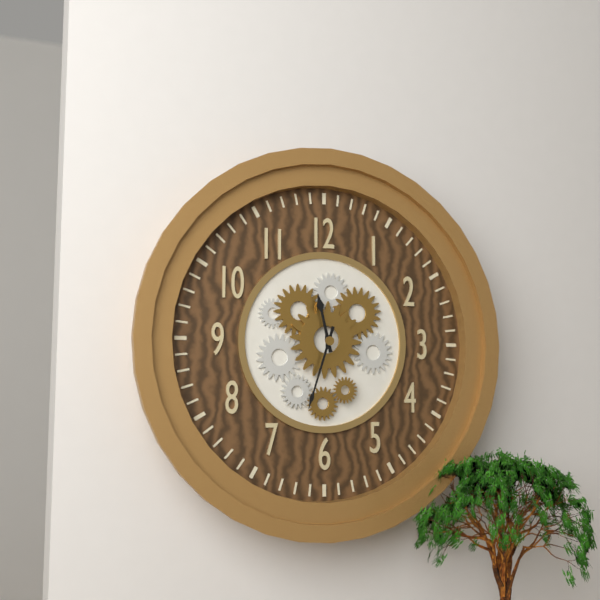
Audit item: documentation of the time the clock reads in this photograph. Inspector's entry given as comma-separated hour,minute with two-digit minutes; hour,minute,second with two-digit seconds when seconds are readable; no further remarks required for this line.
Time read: 11,33
